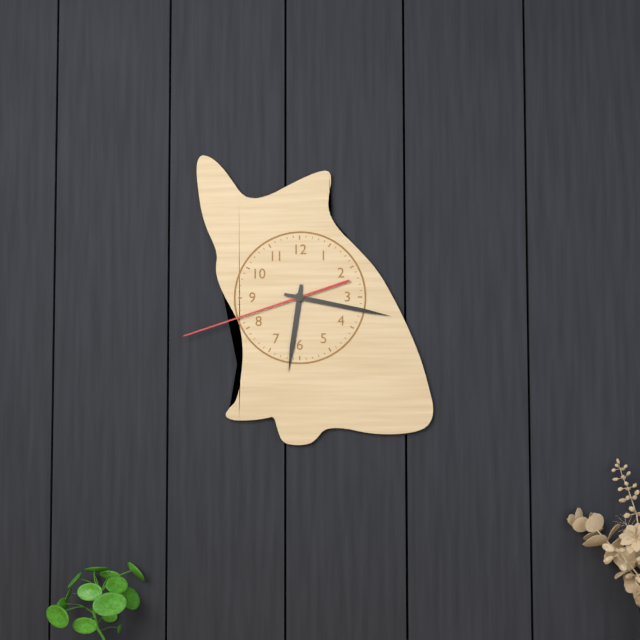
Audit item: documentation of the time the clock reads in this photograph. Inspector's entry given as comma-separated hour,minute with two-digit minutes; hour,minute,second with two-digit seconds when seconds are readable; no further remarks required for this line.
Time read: 6,17,42
